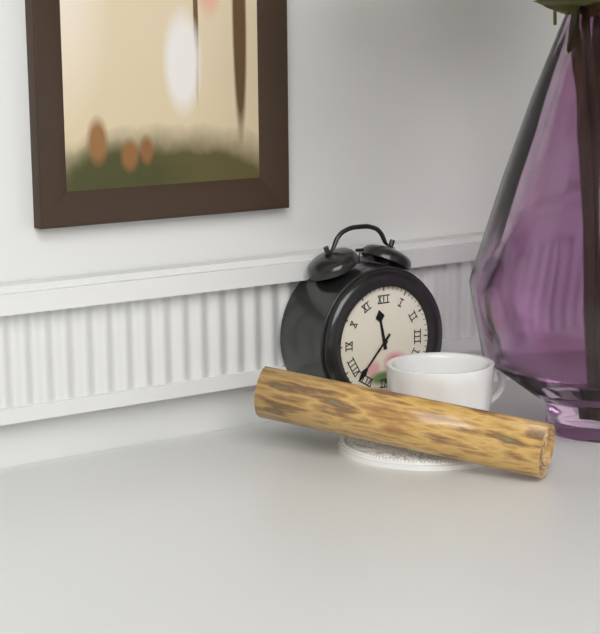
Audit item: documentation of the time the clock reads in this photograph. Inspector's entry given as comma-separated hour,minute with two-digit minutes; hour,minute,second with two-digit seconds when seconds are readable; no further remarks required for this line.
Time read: 11,37
